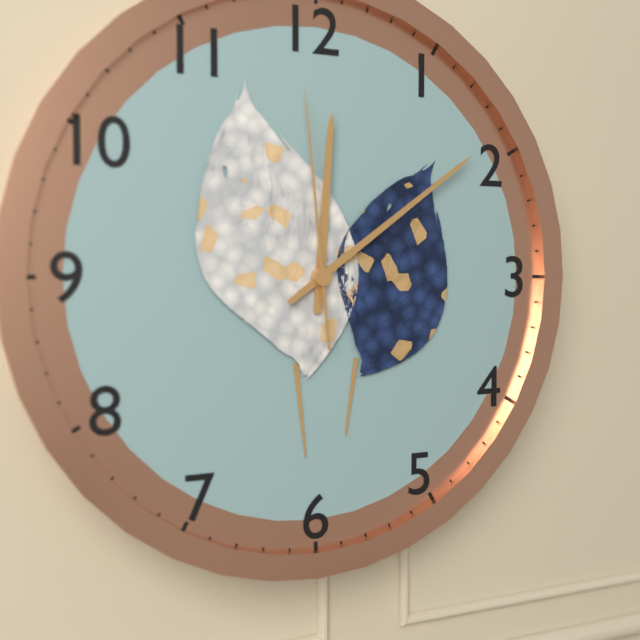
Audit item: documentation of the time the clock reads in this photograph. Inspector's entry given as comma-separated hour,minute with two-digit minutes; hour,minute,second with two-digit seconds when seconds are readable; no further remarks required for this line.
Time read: 12,09,59
